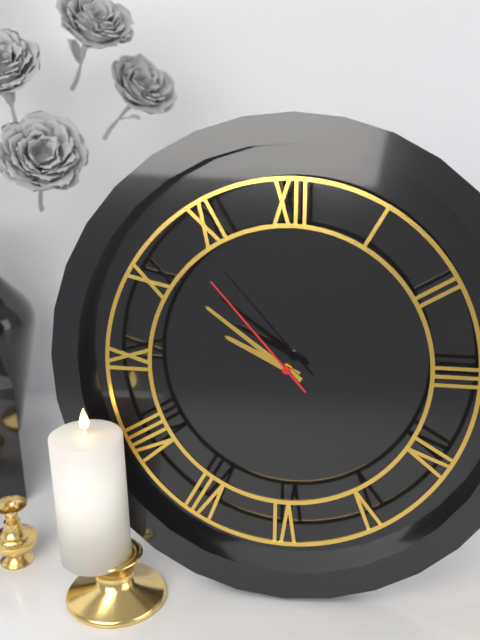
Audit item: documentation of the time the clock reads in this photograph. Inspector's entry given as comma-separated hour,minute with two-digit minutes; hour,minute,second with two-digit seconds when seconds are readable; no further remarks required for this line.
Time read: 9,51,53
